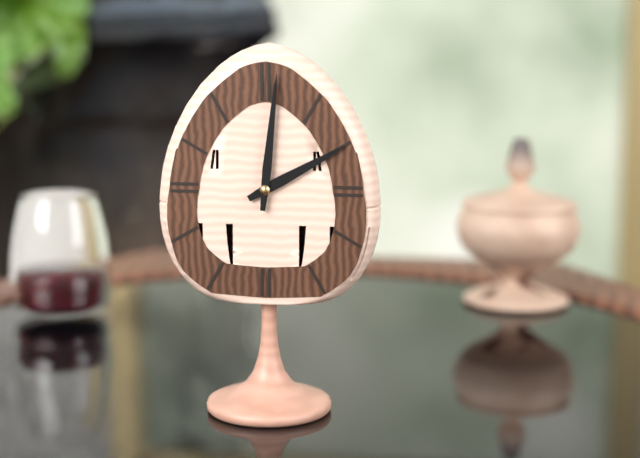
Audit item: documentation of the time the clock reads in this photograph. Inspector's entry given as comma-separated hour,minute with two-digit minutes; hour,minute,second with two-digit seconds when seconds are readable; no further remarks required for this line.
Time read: 2,01
